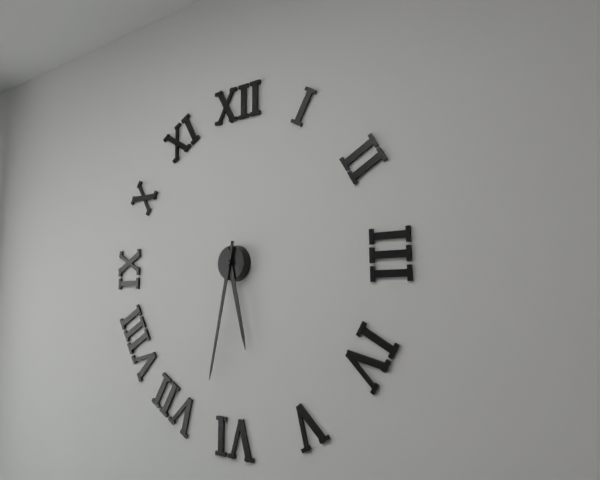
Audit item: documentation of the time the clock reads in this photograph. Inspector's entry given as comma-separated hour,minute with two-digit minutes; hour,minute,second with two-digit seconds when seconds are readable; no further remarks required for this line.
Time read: 5,32
